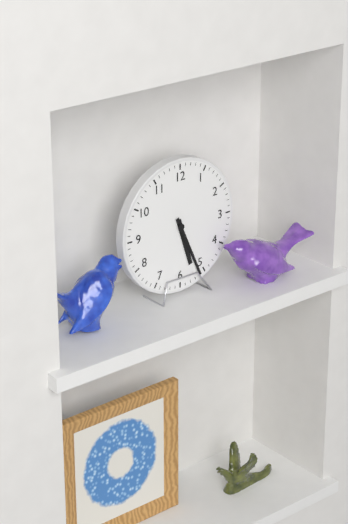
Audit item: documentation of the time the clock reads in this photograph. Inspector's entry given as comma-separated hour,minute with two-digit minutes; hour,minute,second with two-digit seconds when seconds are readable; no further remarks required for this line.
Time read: 5,26
